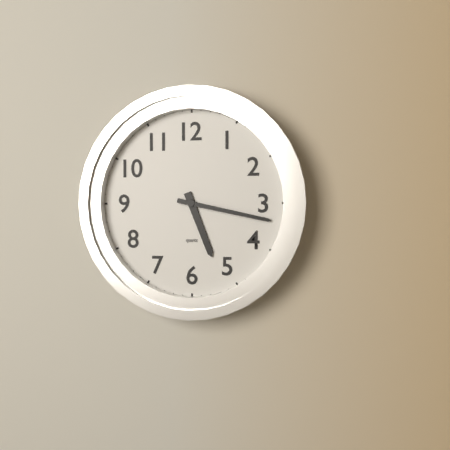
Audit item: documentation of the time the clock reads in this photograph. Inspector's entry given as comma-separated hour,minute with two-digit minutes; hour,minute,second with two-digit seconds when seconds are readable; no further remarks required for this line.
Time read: 5,17
